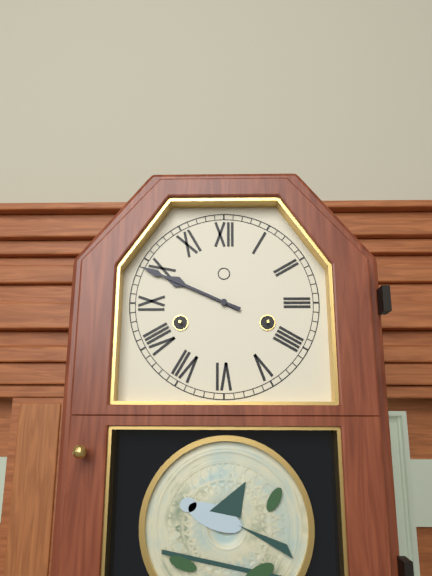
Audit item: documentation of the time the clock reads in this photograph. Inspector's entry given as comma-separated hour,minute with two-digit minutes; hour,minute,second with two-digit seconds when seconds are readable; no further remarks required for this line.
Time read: 9,49
